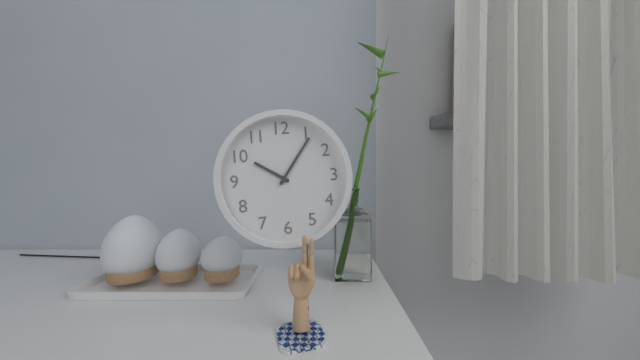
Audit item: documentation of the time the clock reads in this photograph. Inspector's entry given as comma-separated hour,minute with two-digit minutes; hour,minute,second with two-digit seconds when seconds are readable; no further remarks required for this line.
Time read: 10,06
